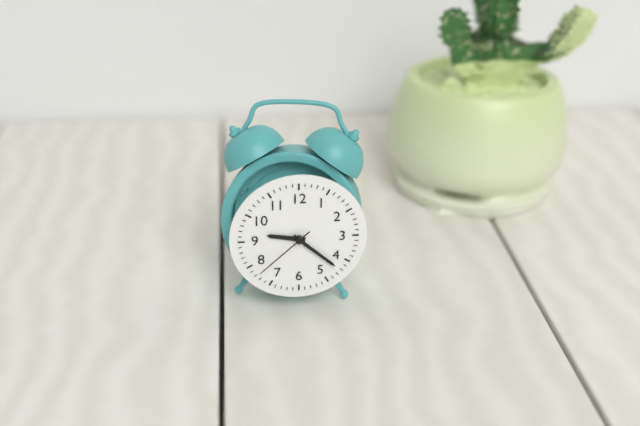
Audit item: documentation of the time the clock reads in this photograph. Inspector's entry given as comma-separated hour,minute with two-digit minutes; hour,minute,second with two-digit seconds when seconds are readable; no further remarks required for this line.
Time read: 9,22,38
